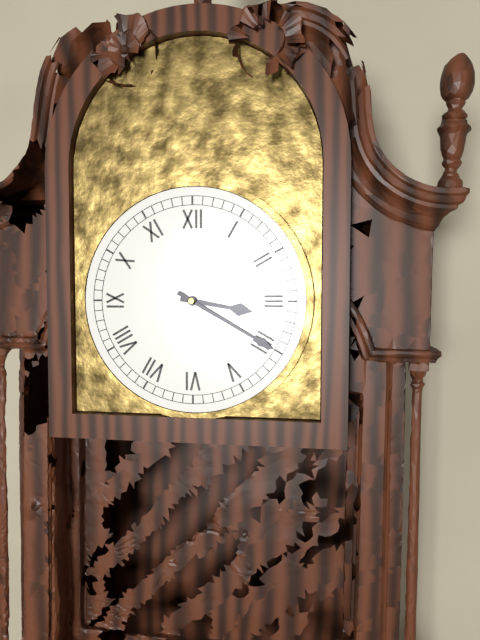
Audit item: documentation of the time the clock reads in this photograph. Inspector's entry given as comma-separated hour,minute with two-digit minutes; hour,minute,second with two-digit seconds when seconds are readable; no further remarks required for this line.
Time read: 3,20
